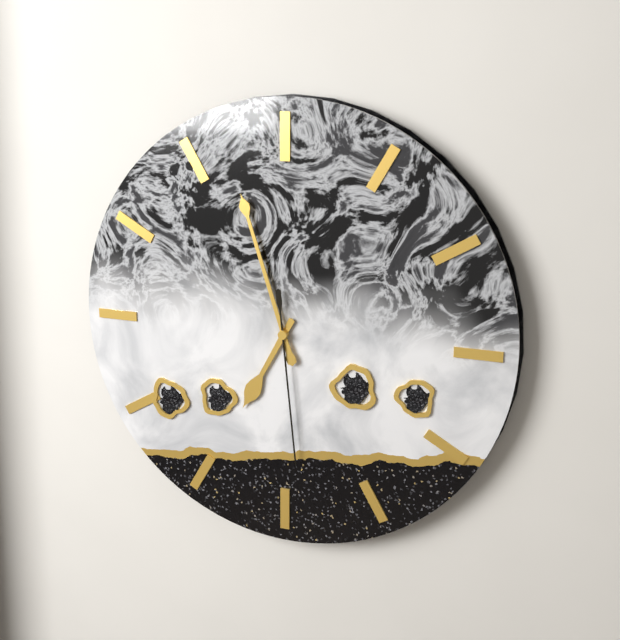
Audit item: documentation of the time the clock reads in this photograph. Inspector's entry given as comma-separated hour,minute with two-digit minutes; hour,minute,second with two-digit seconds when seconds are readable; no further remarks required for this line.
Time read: 6,57,29
